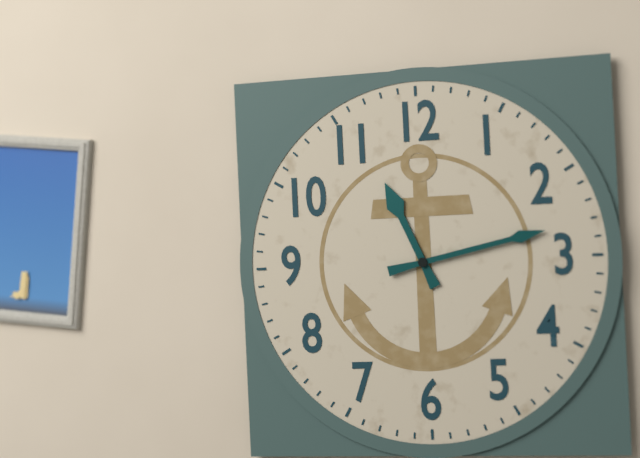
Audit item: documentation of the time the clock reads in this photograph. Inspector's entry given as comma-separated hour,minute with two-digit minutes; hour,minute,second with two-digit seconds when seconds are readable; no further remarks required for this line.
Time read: 11,13
